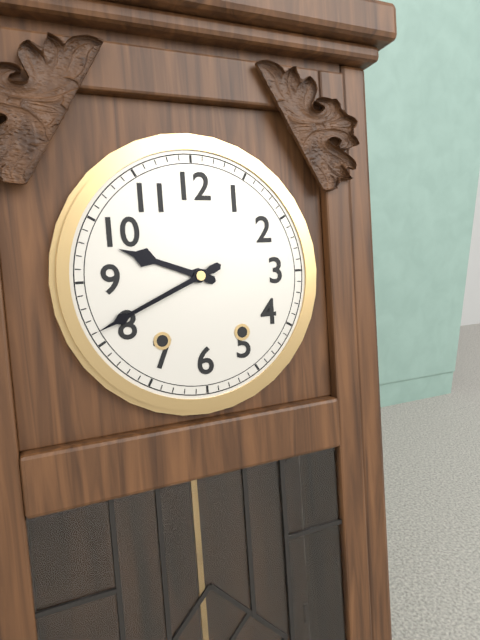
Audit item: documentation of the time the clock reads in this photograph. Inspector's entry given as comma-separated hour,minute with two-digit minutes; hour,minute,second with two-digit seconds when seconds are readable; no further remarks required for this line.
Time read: 9,41
